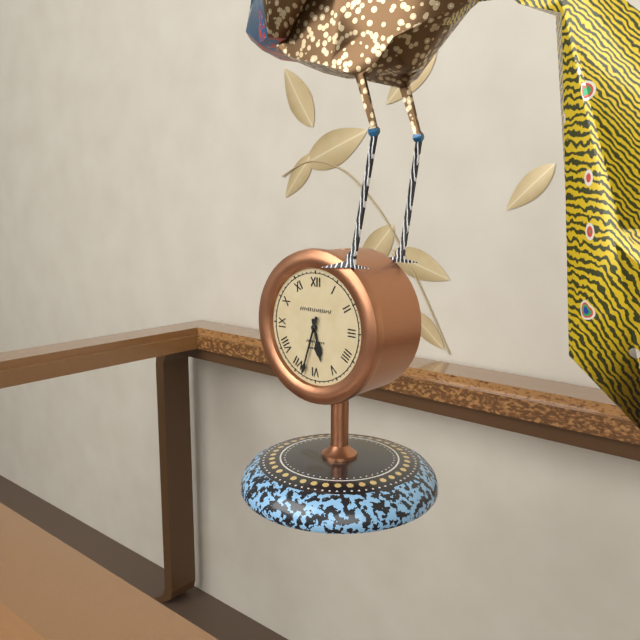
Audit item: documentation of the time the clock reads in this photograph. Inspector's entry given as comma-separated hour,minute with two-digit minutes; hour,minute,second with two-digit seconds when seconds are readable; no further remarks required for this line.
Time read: 5,33
